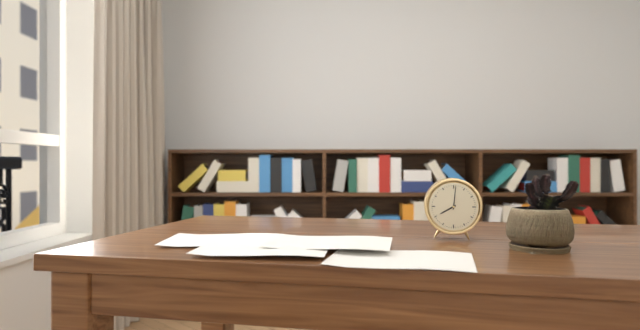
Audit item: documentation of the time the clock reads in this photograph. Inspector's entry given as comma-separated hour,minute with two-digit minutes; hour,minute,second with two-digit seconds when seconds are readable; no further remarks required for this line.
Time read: 8,01
